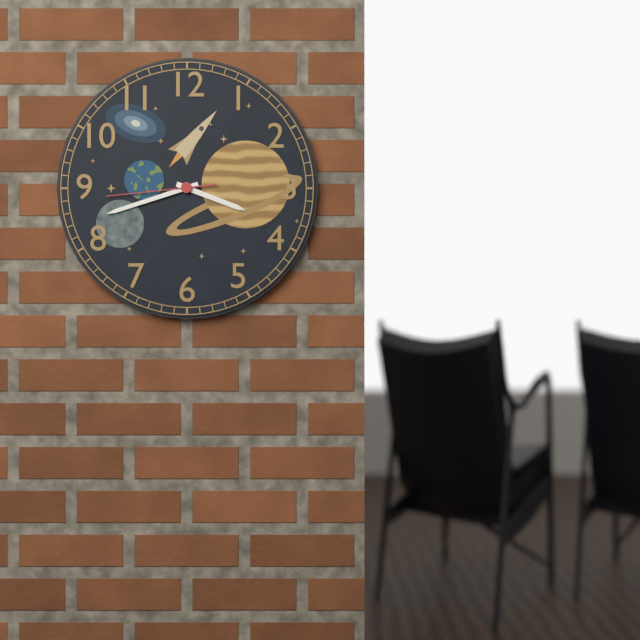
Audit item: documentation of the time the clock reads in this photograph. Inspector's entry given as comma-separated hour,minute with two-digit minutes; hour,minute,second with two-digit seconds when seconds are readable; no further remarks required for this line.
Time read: 3,42,44
